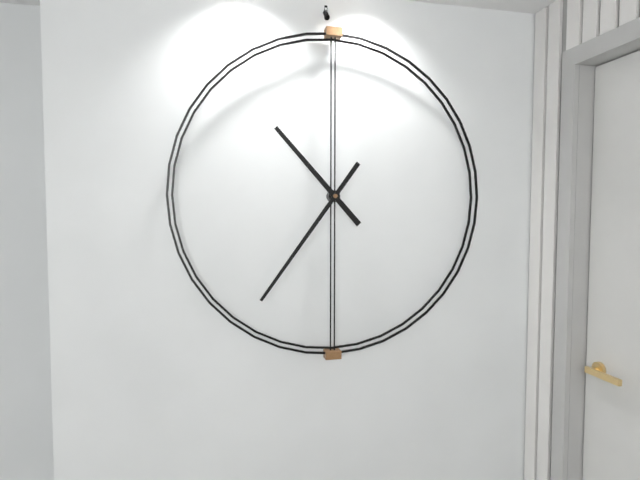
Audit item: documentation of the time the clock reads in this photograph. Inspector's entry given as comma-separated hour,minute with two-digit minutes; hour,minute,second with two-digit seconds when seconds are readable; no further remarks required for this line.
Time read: 10,36
